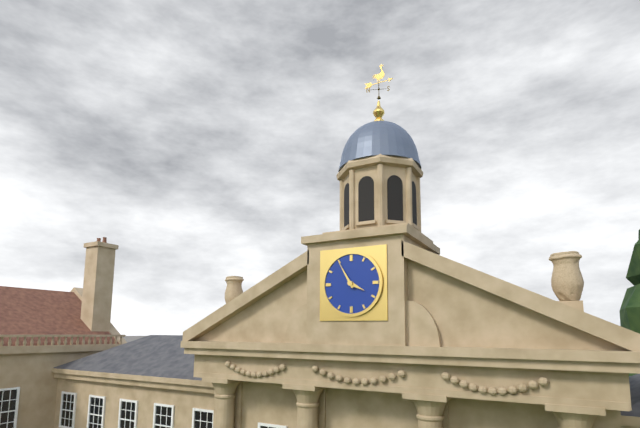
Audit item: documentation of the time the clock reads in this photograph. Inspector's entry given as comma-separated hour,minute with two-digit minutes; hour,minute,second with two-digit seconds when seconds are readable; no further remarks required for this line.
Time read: 3,55
